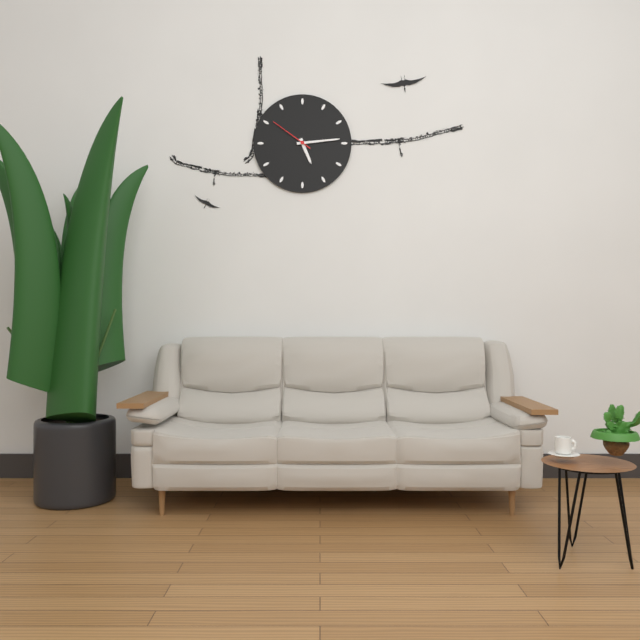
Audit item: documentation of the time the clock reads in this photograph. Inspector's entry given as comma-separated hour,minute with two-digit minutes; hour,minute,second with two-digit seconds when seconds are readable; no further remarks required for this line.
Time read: 5,14
